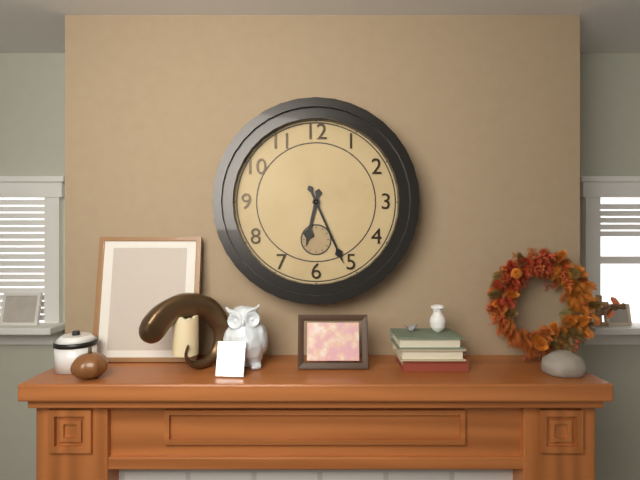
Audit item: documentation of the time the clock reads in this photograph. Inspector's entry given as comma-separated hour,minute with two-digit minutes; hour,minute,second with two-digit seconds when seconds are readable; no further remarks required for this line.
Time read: 6,26
